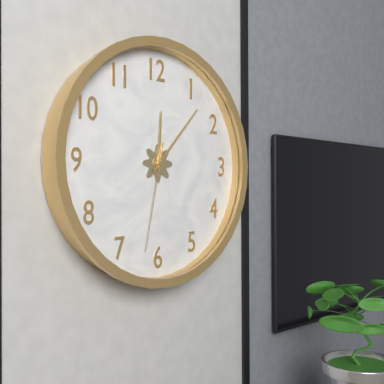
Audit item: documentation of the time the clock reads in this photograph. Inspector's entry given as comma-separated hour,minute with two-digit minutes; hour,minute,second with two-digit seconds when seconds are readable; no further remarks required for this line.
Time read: 12,07,32
